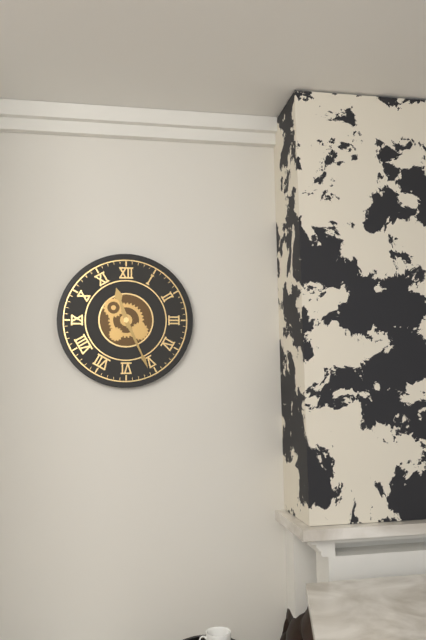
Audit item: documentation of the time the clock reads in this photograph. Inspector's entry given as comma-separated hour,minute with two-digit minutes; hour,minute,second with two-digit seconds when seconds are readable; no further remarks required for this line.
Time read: 11,26
